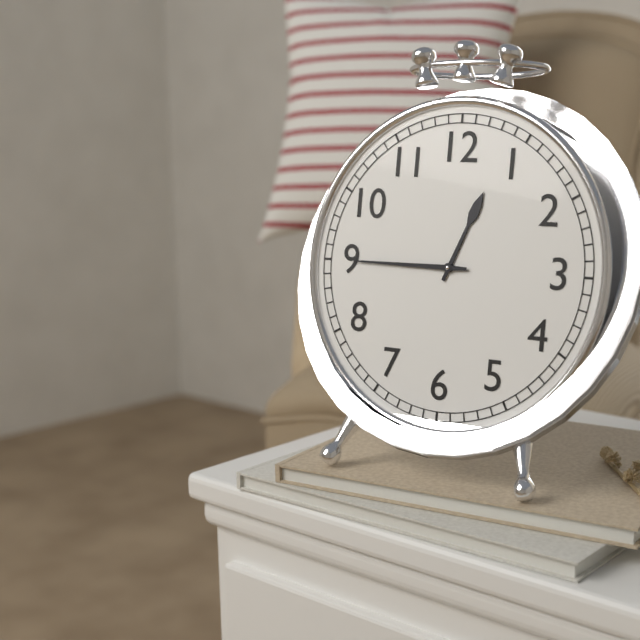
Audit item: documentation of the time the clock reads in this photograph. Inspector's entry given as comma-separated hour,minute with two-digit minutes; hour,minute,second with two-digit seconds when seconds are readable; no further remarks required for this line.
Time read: 12,45
